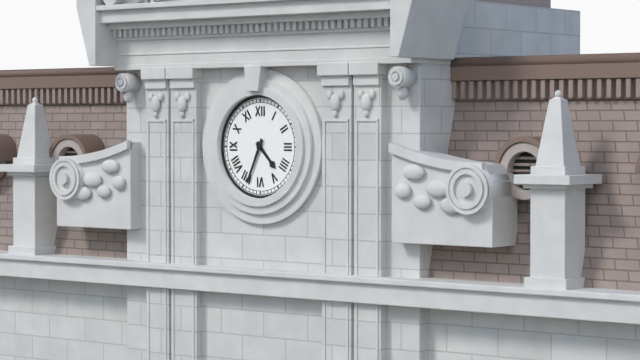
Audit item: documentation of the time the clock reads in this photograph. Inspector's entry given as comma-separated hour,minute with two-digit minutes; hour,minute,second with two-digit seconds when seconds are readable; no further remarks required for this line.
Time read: 4,34
